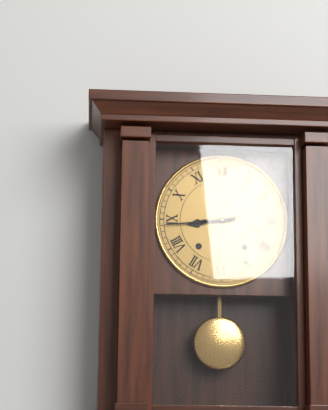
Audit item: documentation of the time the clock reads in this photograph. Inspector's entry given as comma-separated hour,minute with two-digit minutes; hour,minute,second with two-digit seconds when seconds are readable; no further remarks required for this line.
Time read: 8,44
